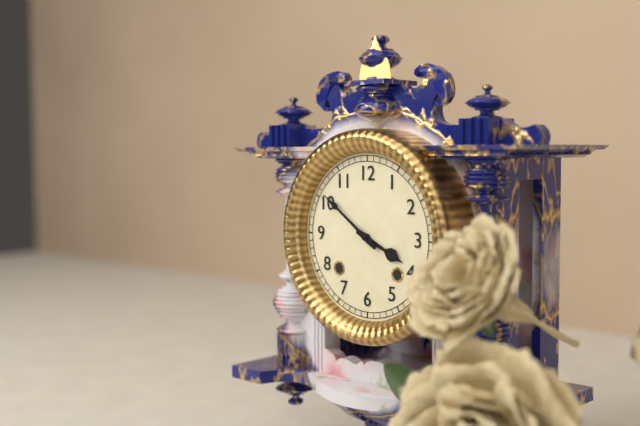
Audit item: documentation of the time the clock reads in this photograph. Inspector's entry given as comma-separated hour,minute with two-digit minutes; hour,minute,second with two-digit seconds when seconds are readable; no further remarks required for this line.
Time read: 3,51
